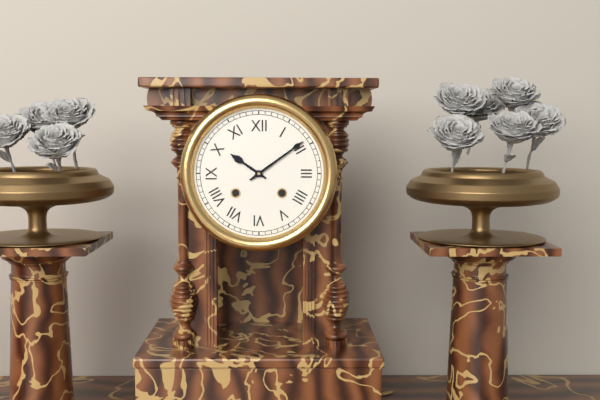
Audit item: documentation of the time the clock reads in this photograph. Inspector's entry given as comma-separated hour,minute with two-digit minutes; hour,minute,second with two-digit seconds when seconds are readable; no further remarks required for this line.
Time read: 10,09
